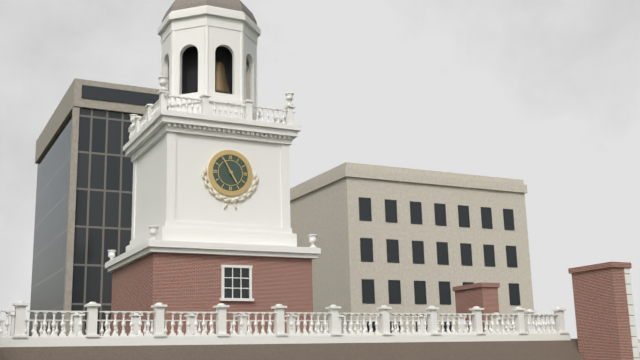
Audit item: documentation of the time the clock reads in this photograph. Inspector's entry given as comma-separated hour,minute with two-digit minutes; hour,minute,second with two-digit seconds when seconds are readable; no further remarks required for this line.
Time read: 4,55
